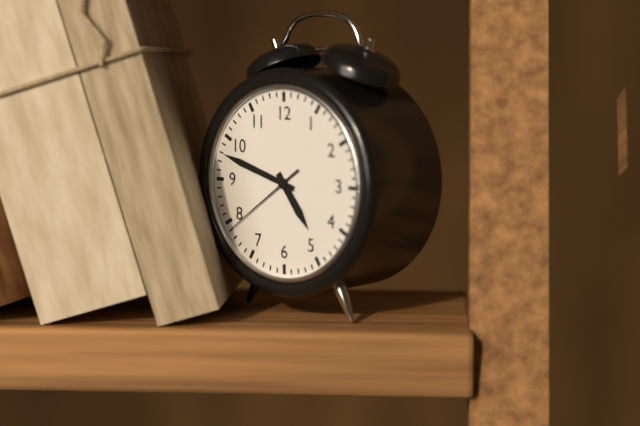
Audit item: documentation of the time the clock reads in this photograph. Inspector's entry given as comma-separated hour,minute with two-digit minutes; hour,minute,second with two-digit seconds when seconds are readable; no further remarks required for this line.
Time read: 4,48,39
